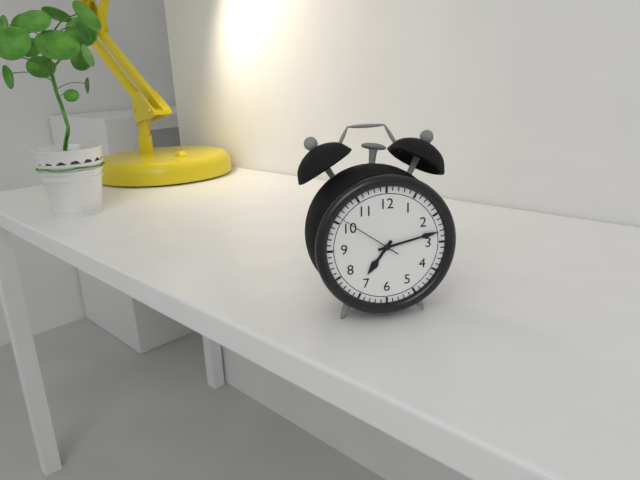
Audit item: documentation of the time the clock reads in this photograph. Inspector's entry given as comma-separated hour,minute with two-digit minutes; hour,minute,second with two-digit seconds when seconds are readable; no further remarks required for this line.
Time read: 7,13,51
